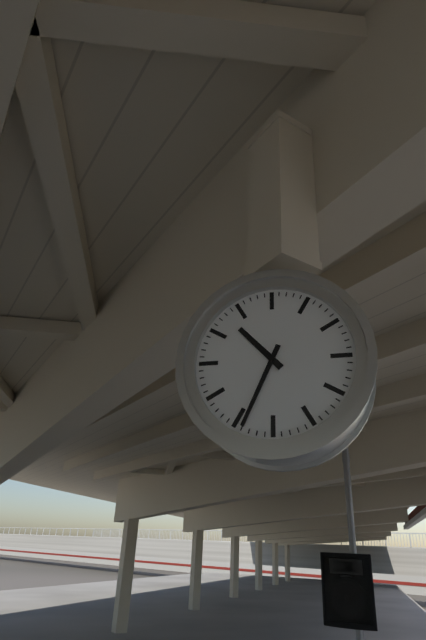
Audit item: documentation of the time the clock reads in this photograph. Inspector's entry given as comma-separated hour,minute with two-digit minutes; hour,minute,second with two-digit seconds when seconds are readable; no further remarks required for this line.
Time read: 10,34
